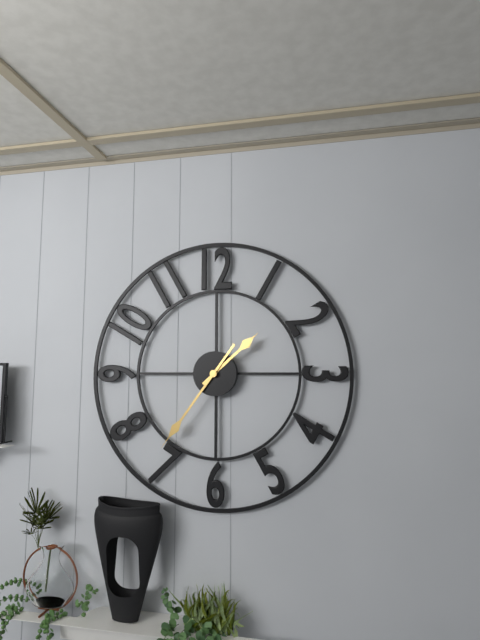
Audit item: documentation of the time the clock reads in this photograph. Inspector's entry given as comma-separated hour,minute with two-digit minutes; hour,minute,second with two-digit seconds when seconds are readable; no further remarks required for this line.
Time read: 1,36
